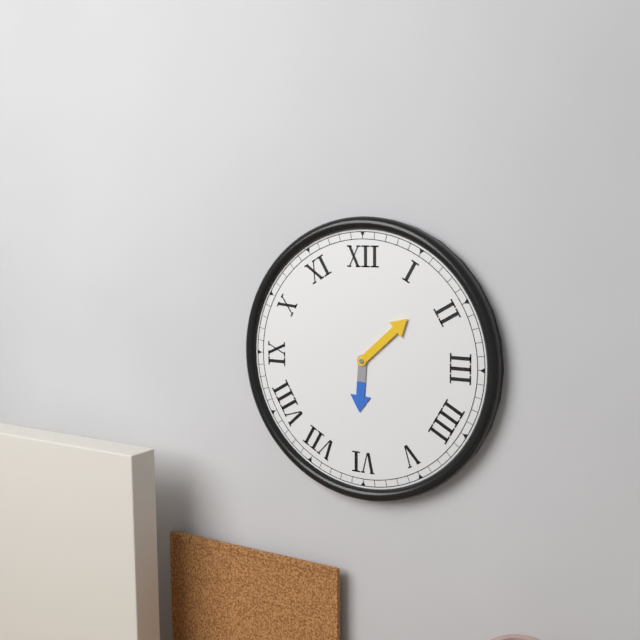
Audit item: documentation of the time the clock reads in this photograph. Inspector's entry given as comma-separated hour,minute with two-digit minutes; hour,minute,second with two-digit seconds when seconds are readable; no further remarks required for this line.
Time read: 6,08
